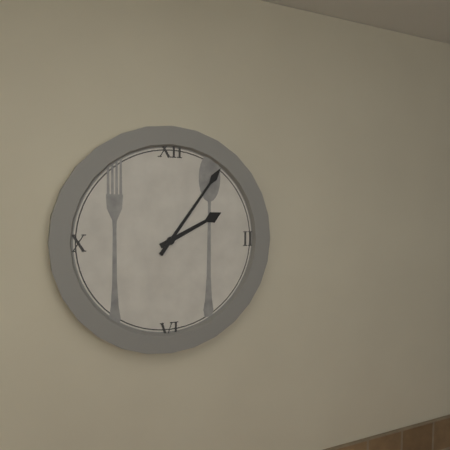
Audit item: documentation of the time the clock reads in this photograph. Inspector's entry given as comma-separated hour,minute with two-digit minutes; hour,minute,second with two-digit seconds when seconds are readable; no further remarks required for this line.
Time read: 2,06
